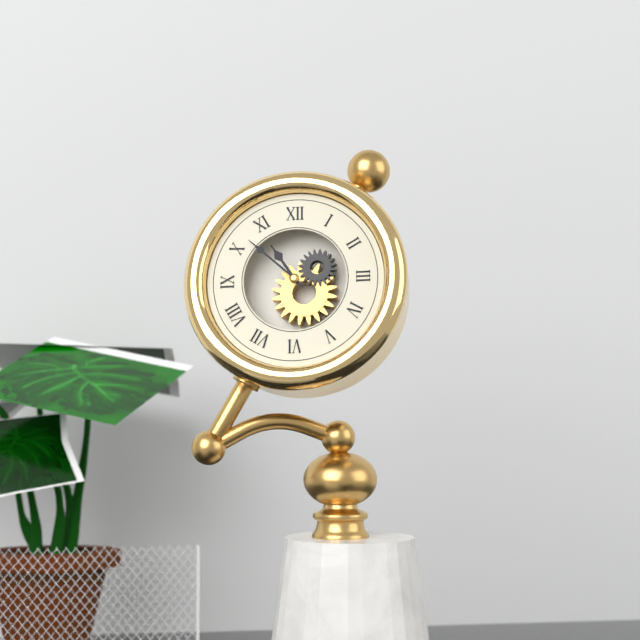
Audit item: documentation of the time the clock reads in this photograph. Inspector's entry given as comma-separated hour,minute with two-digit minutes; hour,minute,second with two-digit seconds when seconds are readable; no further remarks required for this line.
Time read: 10,52
